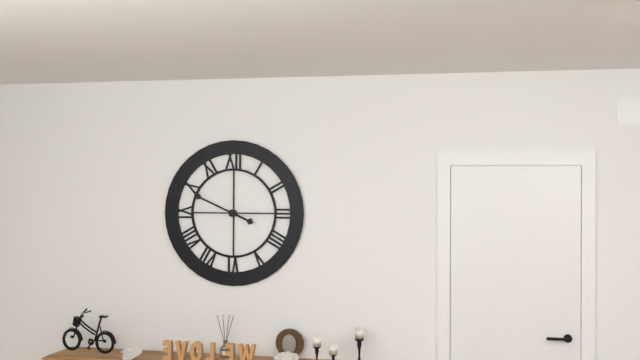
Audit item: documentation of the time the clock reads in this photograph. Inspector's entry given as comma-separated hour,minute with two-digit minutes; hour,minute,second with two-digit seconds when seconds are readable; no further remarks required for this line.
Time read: 3,49
